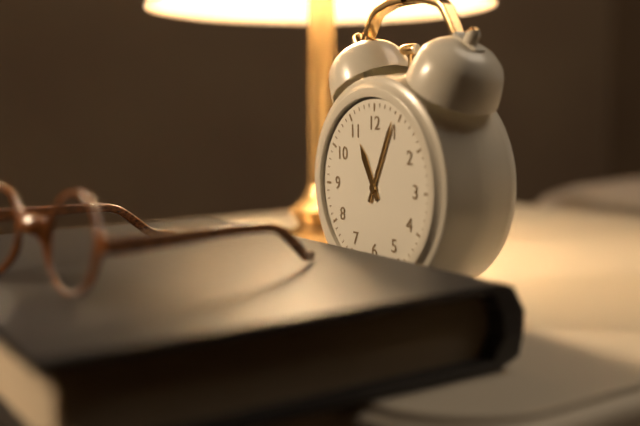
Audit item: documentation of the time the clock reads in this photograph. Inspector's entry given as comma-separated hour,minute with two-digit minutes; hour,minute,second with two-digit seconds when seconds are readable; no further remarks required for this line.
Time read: 11,04
